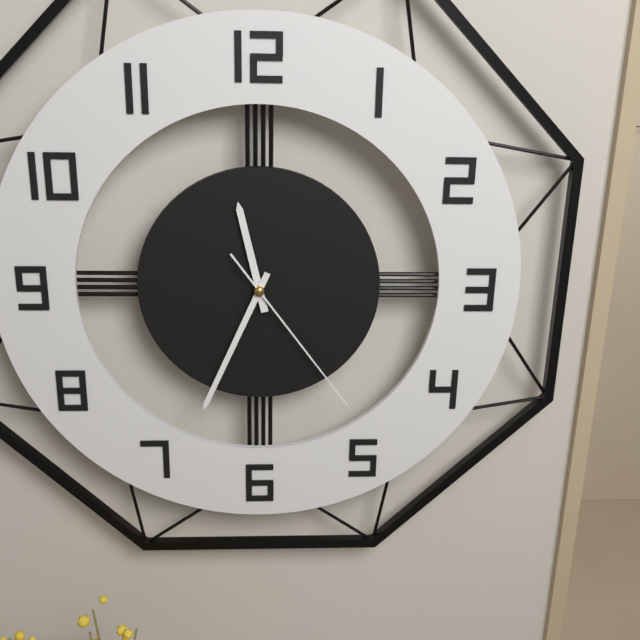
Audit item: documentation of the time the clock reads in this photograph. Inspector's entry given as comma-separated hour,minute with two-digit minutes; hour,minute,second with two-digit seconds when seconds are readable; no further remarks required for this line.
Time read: 11,34,24
